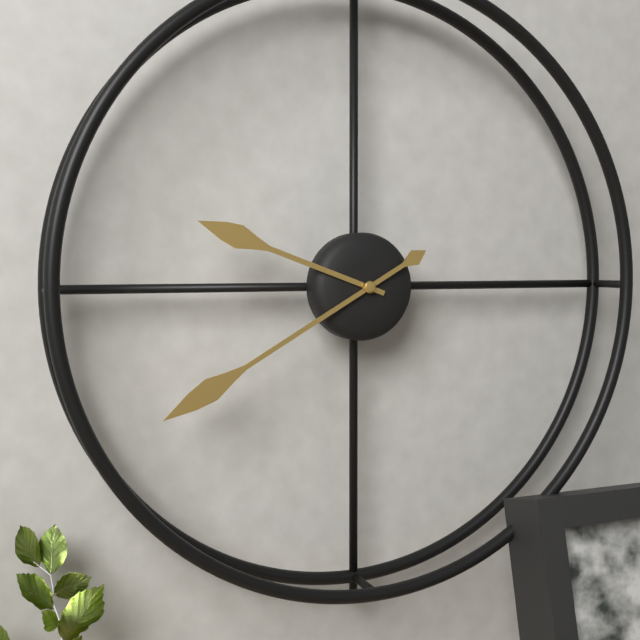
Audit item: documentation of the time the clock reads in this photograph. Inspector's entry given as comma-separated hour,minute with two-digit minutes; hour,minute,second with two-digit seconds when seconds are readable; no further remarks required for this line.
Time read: 9,40
